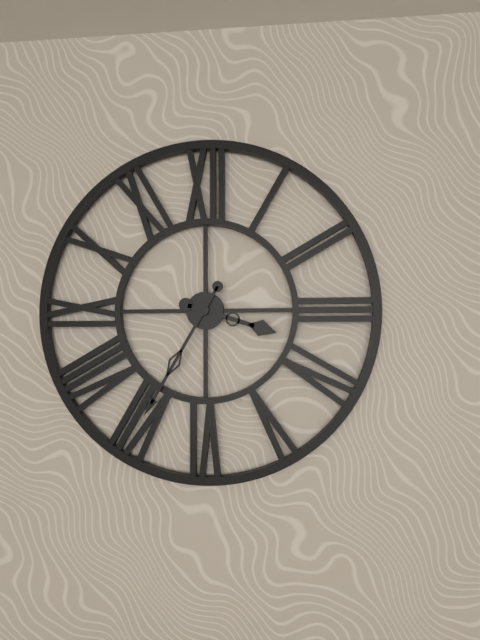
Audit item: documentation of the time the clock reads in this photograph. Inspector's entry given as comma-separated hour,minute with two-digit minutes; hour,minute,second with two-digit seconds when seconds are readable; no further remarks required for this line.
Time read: 3,35
